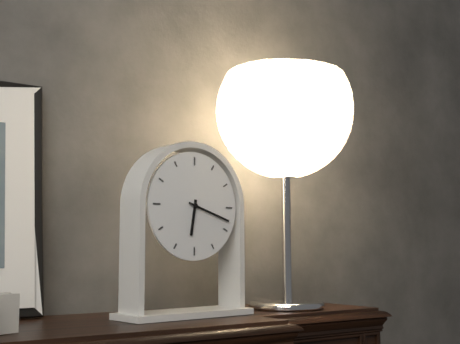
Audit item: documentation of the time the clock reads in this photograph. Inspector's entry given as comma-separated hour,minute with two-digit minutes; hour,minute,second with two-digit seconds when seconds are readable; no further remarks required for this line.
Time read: 6,18
